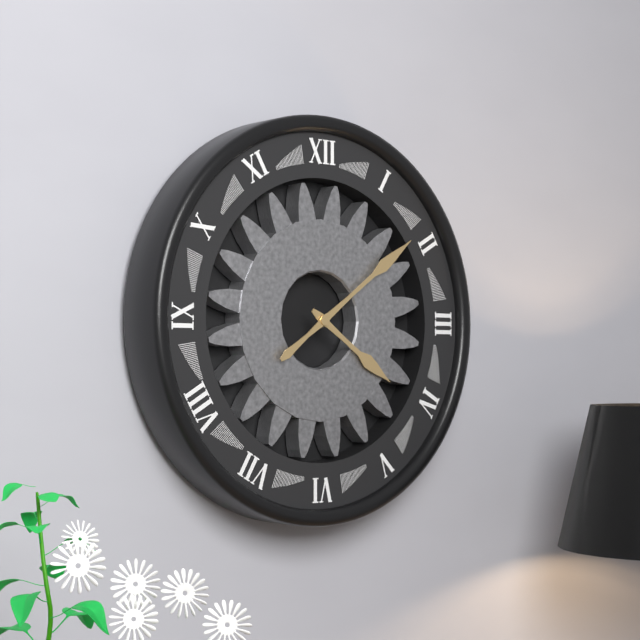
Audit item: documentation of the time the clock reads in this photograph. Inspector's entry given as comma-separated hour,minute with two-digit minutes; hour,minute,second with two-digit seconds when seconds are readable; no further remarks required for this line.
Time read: 4,09
